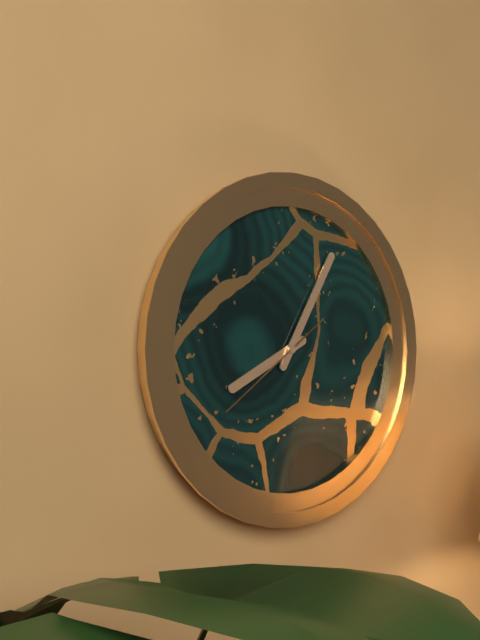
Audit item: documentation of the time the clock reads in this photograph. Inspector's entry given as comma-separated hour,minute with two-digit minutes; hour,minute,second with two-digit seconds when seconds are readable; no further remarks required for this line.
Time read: 8,05,39
